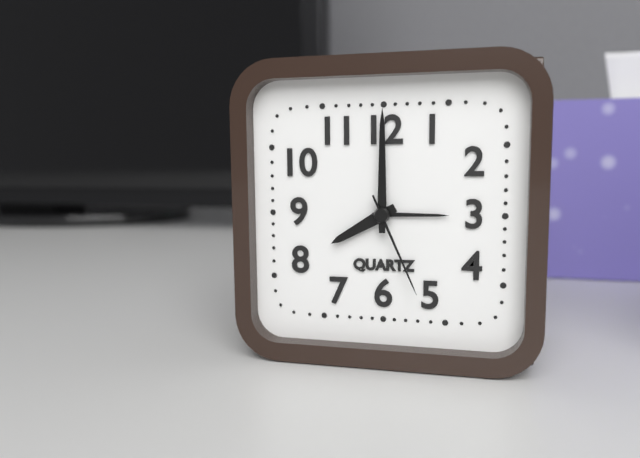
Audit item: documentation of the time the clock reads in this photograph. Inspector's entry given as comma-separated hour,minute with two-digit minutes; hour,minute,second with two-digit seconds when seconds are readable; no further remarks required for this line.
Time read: 8,00,26
